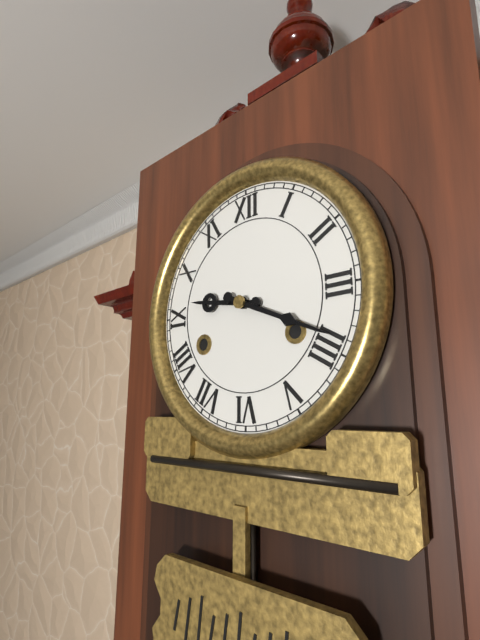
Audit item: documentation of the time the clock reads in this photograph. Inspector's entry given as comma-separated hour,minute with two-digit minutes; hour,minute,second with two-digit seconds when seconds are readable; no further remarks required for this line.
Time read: 9,19
